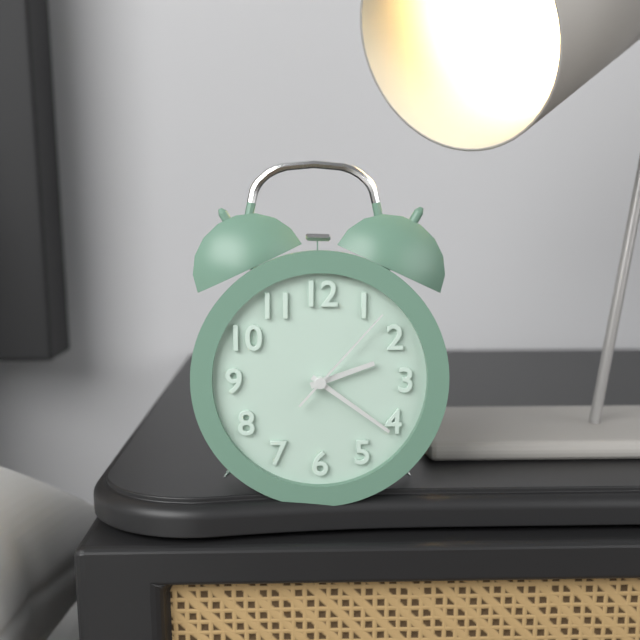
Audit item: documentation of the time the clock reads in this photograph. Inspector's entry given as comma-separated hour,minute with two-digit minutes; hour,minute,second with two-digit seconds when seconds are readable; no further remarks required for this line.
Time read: 2,21,07
